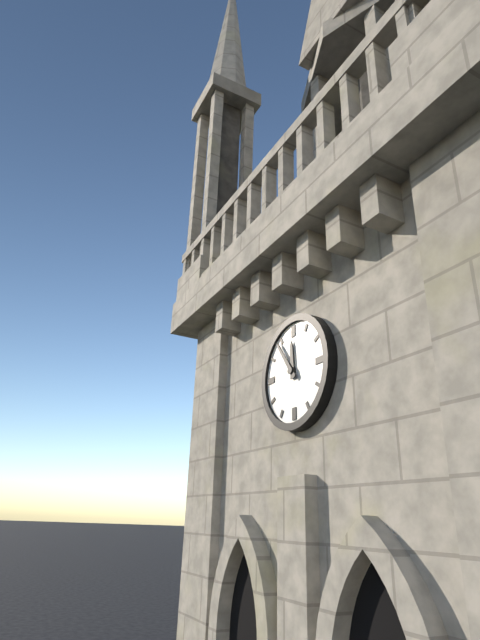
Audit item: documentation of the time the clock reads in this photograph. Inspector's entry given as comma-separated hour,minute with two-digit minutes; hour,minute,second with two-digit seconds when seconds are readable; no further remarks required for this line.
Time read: 11,54
